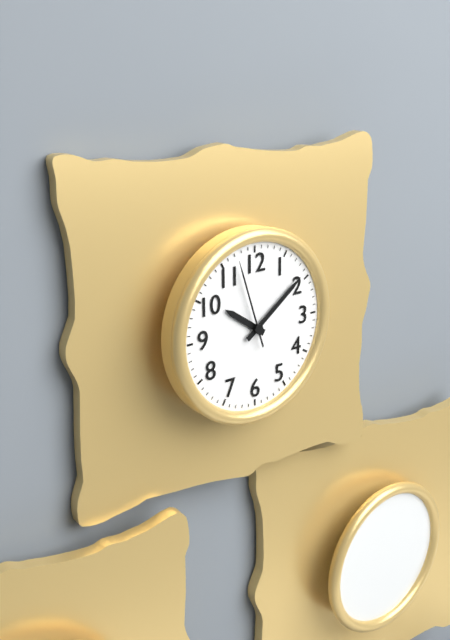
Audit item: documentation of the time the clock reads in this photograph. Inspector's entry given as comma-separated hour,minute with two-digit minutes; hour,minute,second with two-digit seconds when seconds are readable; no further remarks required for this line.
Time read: 10,09,57
